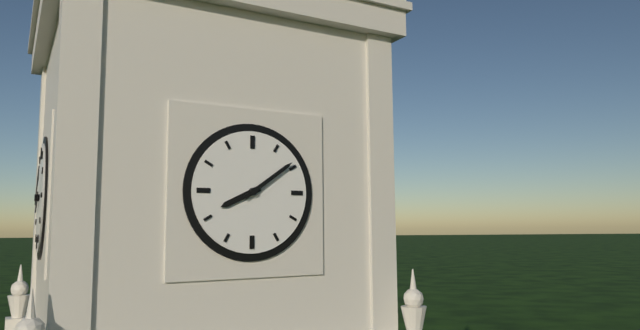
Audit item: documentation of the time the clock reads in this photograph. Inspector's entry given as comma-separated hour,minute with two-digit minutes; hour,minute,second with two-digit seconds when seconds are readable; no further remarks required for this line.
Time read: 8,09
